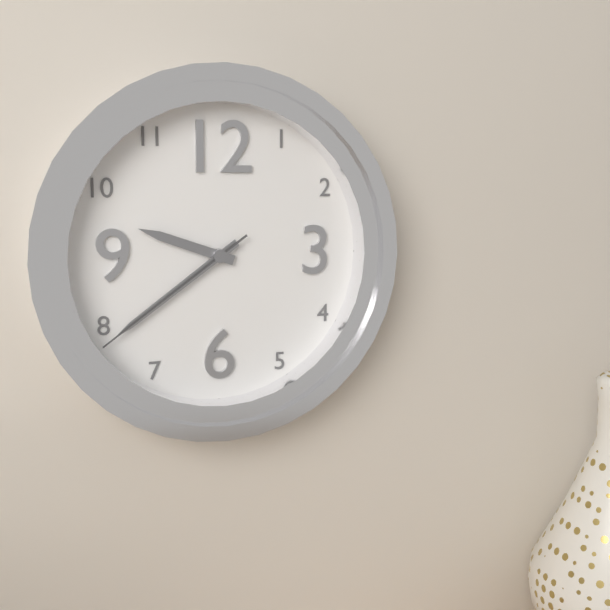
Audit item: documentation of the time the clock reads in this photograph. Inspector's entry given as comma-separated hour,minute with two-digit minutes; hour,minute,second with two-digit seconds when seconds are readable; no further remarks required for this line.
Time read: 9,39,39
